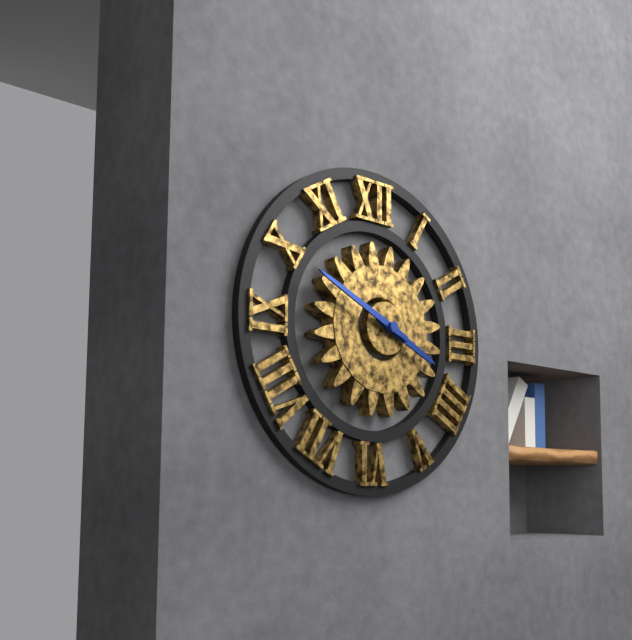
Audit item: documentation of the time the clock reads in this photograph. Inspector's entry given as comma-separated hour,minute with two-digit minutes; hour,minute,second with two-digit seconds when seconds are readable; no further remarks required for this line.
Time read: 3,49
